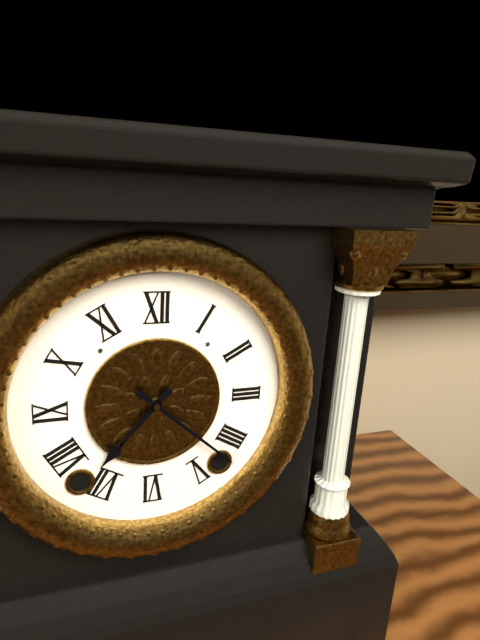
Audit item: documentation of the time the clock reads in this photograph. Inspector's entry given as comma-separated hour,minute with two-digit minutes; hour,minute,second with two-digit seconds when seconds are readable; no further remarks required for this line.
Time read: 7,22
